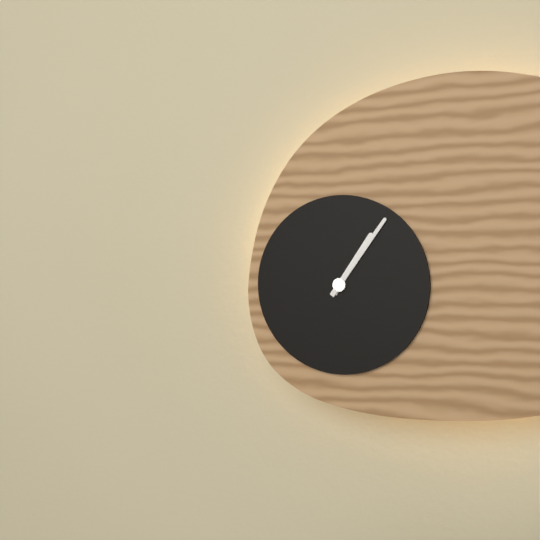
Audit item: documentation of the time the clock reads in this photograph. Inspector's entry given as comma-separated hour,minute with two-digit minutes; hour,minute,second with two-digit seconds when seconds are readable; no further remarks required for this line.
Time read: 1,06
